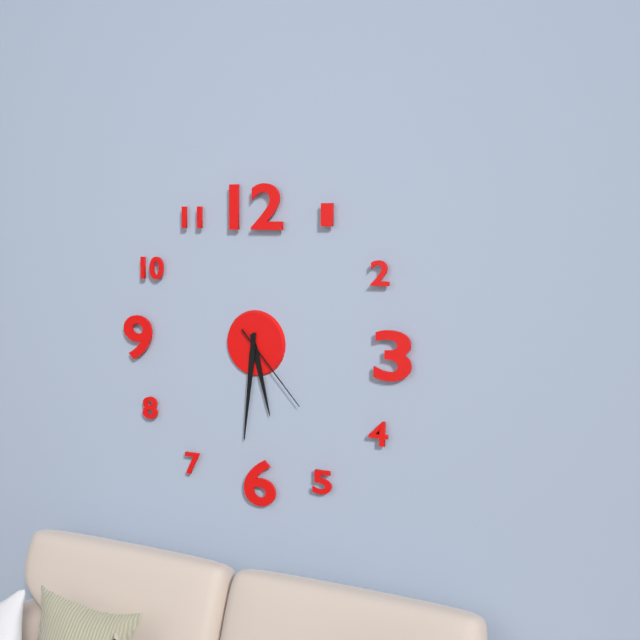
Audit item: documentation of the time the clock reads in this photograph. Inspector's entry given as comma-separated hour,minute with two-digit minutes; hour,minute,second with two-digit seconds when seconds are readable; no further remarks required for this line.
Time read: 5,31,23
